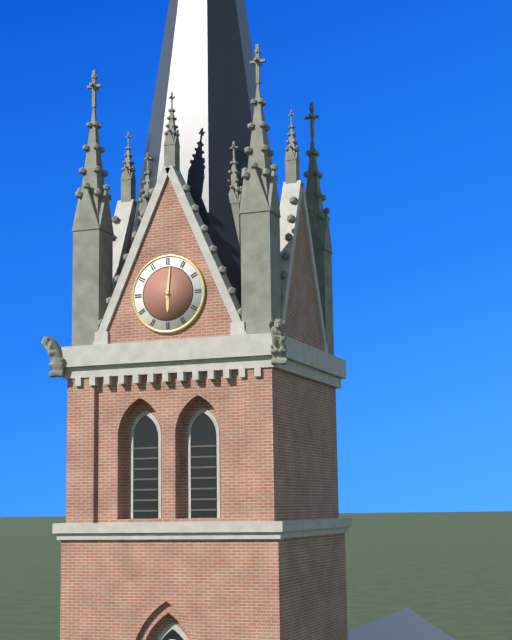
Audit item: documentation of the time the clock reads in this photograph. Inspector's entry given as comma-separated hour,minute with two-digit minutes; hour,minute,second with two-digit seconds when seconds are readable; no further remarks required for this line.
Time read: 6,01
